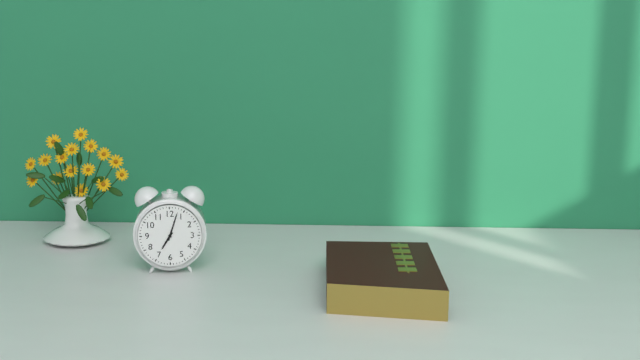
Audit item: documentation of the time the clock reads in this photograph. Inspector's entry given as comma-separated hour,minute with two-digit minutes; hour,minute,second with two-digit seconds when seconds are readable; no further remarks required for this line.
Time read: 7,03
